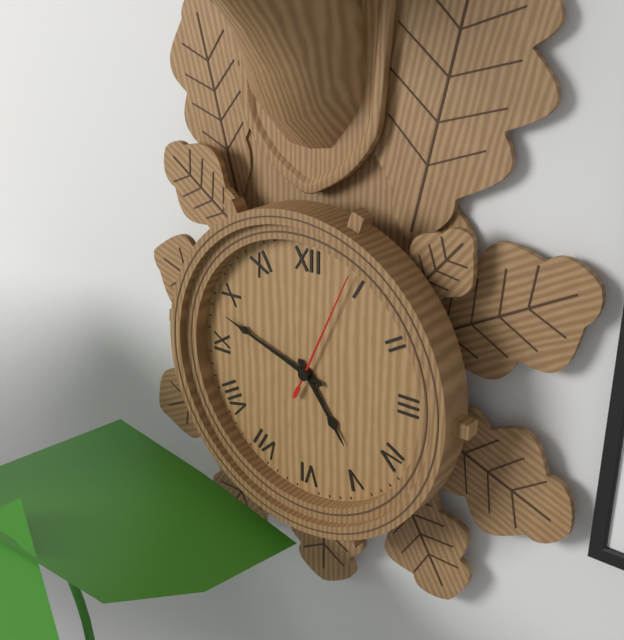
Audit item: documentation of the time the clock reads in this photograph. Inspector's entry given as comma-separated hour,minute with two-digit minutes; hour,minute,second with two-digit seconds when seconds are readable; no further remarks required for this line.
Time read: 4,48,04
